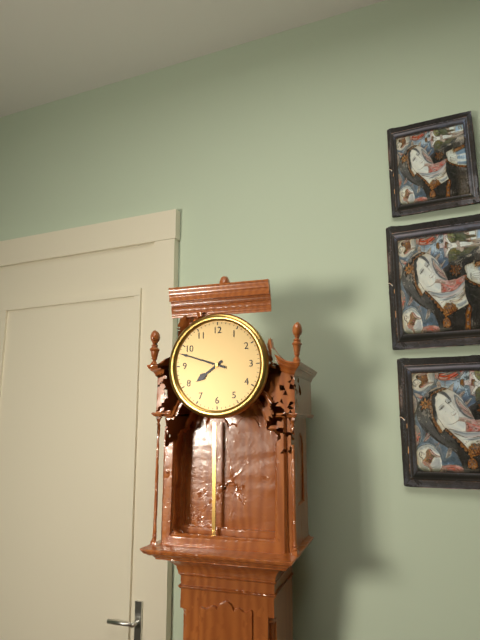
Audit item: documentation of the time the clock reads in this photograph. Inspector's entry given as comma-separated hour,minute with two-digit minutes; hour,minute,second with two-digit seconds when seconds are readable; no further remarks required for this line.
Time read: 7,48
